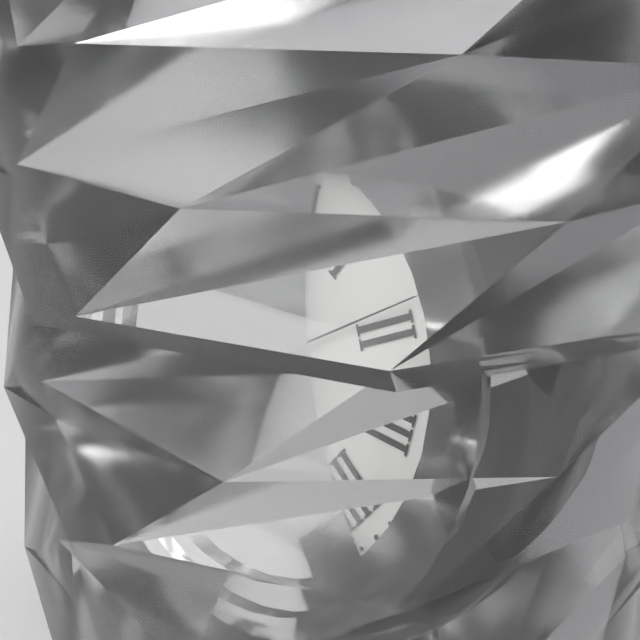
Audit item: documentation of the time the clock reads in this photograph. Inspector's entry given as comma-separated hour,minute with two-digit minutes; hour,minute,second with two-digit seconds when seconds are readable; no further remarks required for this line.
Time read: 5,01,09
